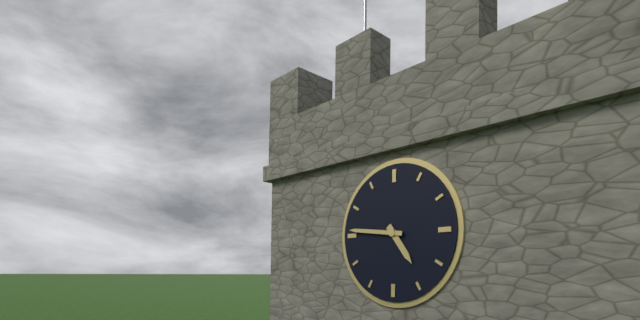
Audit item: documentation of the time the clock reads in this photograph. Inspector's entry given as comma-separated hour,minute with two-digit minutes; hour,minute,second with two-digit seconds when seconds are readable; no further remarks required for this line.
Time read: 4,46
